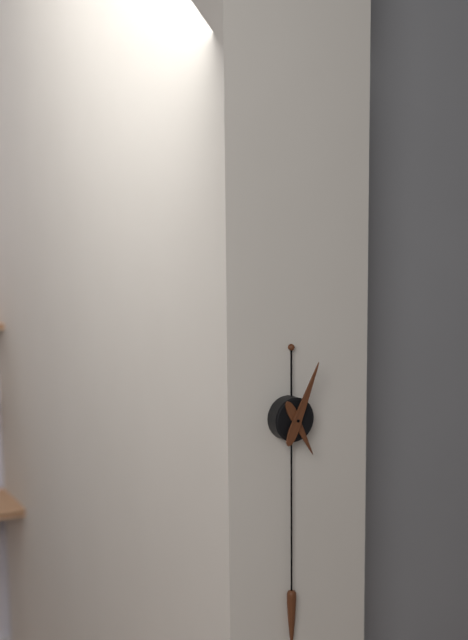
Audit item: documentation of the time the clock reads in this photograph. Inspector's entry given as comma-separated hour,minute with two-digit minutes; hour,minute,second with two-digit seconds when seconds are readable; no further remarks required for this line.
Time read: 5,04
